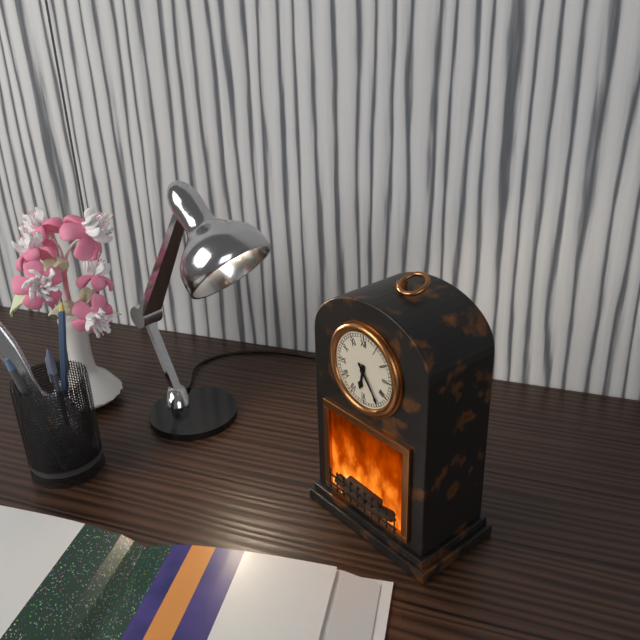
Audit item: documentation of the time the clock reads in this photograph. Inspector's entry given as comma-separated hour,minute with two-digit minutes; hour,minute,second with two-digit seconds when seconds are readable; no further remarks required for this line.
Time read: 6,24
